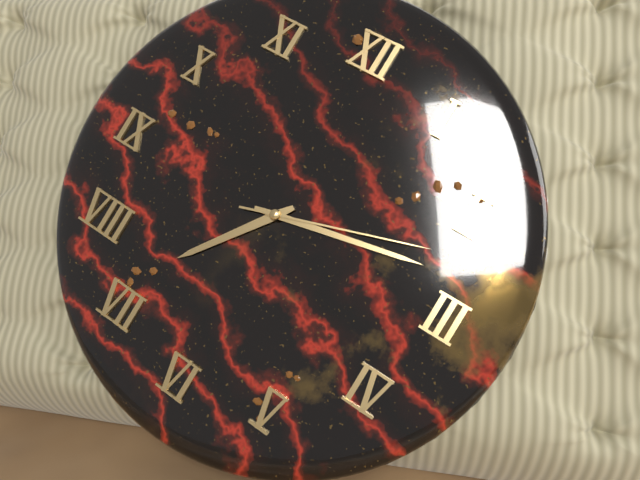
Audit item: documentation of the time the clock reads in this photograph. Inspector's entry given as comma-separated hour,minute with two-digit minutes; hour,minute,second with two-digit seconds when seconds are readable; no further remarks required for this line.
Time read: 7,13,12
